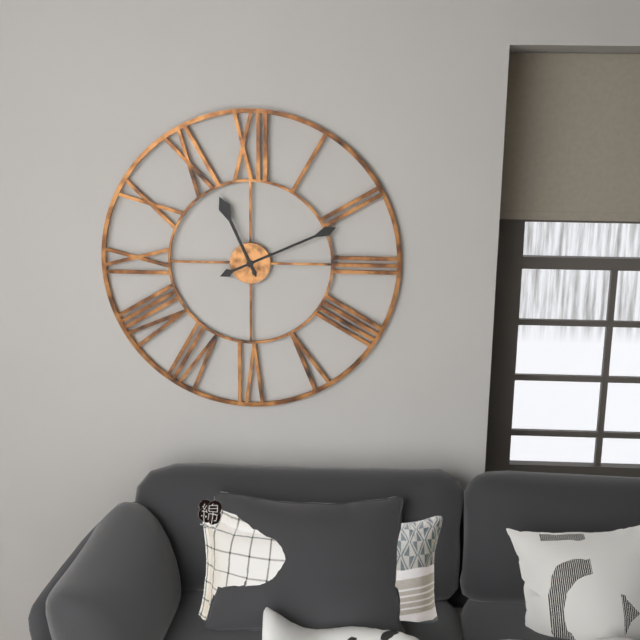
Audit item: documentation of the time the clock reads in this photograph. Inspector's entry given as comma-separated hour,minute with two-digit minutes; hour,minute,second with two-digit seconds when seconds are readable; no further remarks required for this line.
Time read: 11,11
